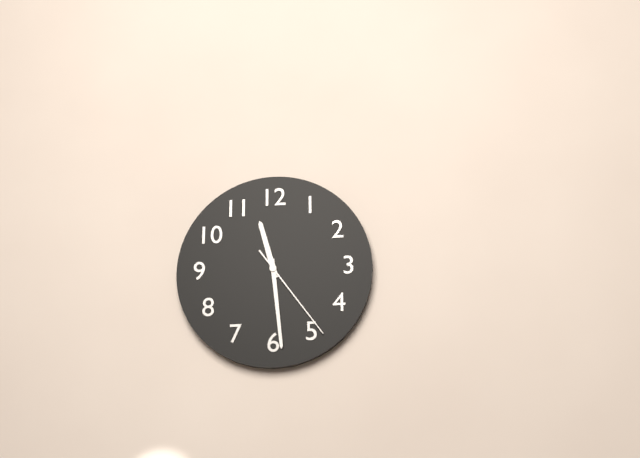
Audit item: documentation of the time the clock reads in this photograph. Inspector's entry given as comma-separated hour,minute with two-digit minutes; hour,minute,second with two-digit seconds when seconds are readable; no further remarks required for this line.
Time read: 11,29,24
